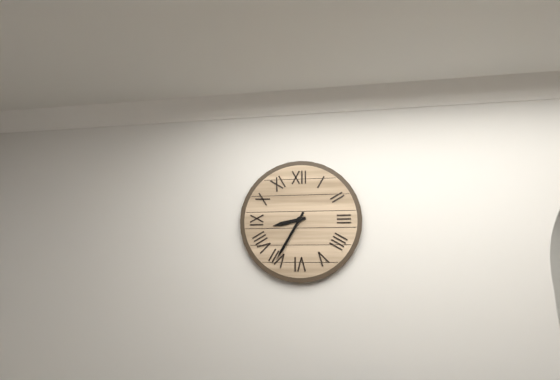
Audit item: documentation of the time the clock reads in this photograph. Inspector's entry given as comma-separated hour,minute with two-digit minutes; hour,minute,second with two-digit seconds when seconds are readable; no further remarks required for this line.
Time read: 8,35
